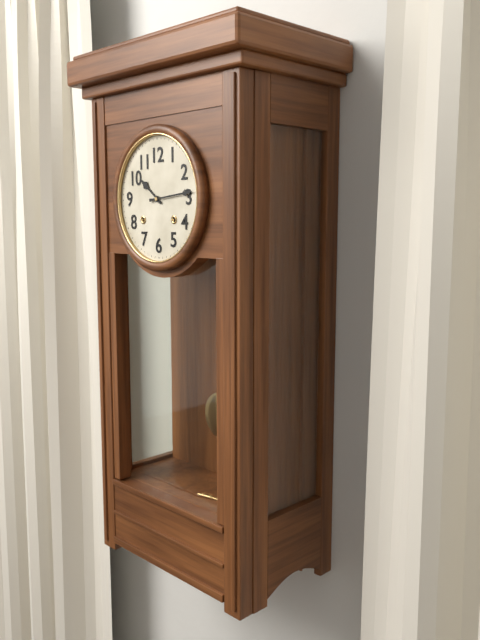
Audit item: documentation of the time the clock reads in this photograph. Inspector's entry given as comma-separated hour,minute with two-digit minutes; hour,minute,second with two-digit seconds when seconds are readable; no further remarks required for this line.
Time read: 10,14
